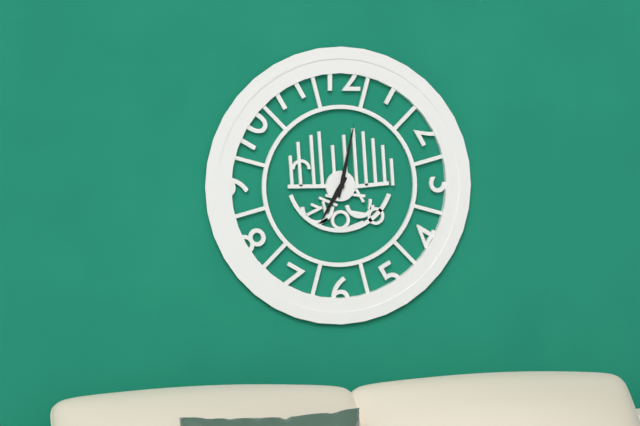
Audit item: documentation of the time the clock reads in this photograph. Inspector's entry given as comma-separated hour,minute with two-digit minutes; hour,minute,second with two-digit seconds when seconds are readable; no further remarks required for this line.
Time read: 7,02
